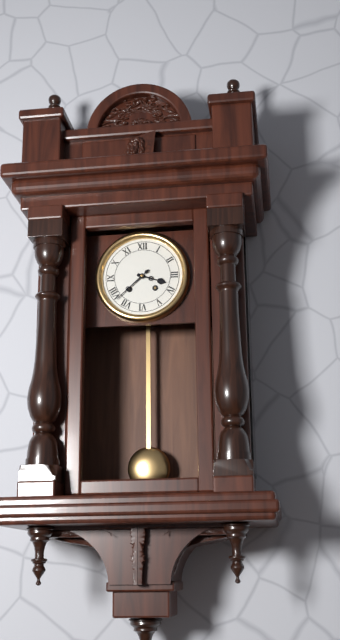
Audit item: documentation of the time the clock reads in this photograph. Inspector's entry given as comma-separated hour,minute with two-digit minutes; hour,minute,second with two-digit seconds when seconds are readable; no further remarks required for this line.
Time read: 3,38
